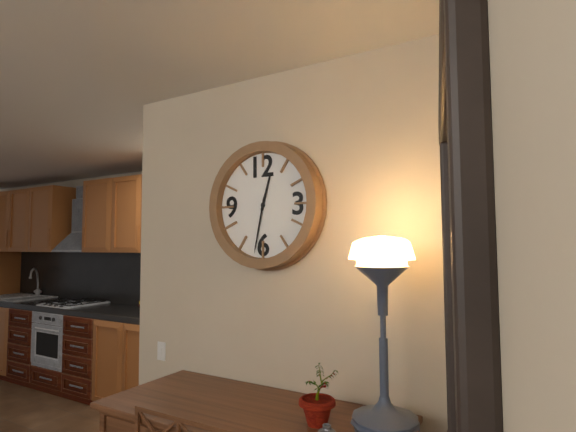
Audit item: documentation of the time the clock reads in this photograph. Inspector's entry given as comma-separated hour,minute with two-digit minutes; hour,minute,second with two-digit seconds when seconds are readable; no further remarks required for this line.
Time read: 12,32
